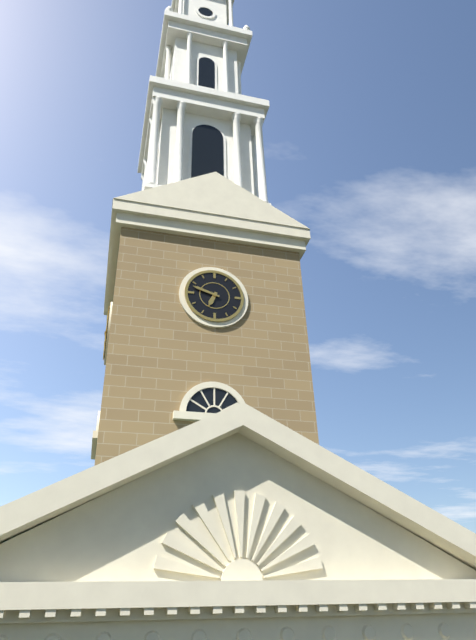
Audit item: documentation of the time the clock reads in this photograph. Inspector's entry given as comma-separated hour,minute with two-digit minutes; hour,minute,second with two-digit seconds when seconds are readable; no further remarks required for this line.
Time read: 6,48
